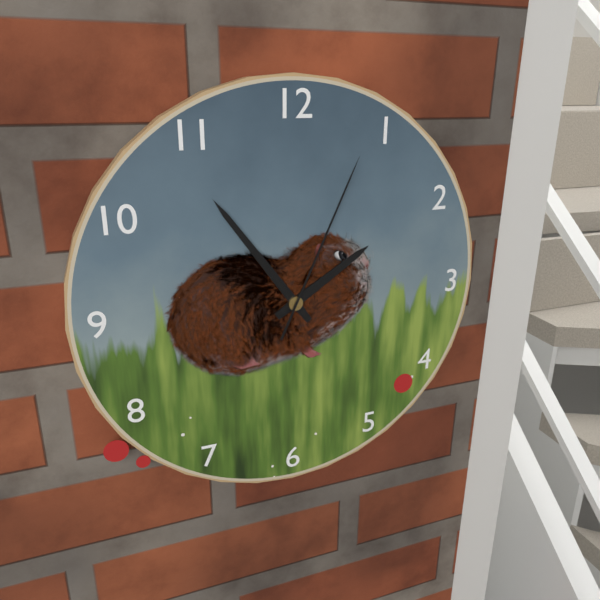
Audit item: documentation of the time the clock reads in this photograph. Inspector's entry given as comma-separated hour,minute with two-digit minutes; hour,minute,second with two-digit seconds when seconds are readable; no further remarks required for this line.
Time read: 1,54,04
